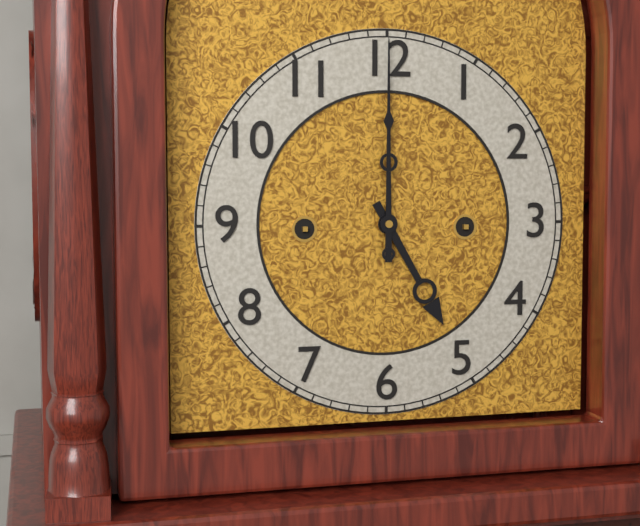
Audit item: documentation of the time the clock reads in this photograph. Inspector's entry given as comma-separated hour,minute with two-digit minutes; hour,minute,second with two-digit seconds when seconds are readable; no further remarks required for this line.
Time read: 5,00
